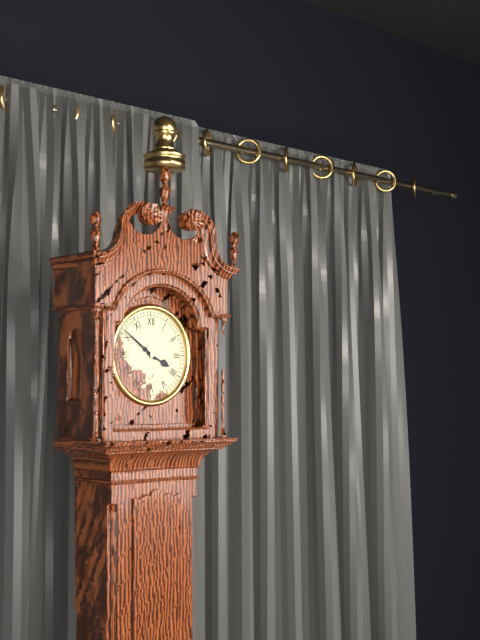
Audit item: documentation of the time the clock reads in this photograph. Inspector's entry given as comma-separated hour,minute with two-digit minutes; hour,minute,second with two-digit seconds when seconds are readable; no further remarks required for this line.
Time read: 3,51
